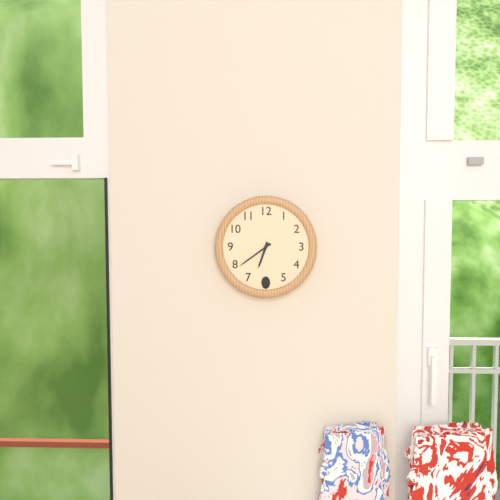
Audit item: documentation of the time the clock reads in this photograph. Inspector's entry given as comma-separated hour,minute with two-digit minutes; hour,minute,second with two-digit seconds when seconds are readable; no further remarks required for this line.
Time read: 6,39
